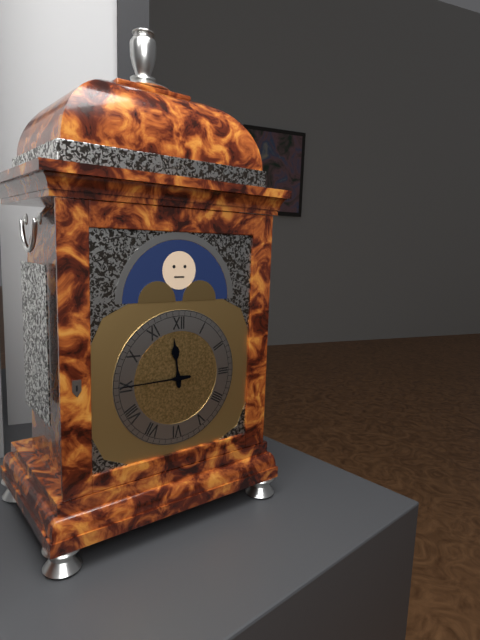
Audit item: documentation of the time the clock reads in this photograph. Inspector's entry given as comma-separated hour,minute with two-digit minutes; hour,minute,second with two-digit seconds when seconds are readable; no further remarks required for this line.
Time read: 11,45
